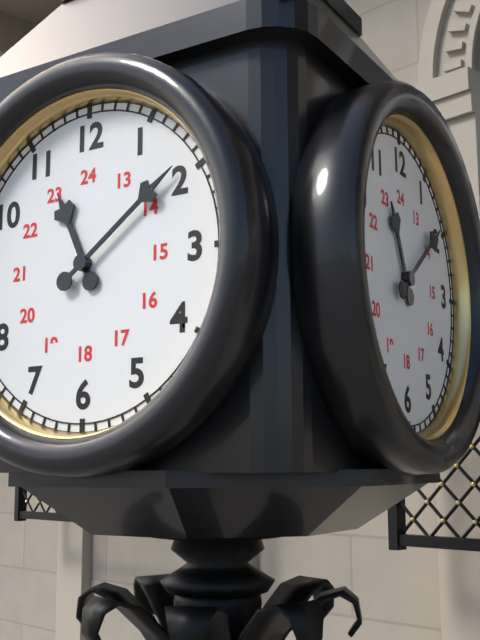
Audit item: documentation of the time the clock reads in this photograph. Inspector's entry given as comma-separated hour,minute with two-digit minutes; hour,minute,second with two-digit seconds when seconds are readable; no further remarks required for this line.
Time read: 11,09
